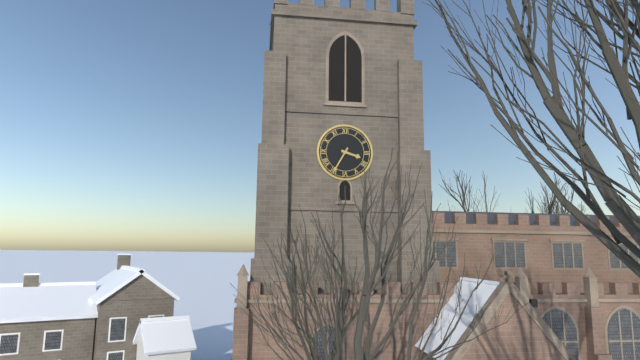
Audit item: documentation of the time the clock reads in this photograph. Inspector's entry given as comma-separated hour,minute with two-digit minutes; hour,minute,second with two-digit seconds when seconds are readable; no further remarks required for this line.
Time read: 3,35
